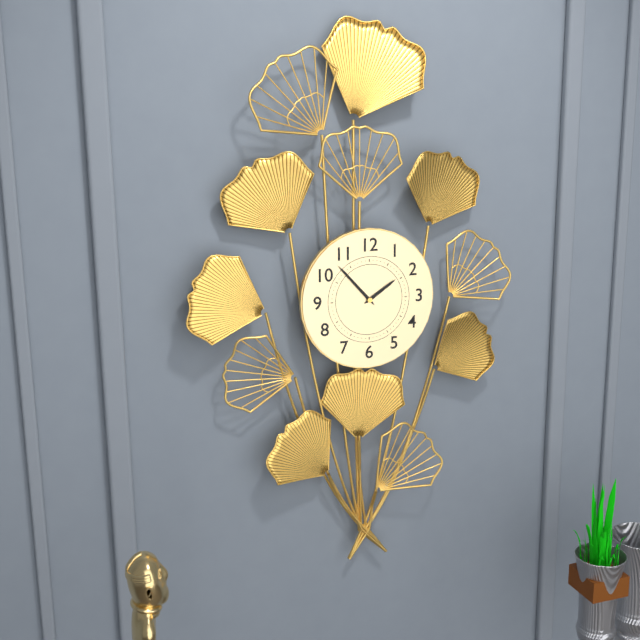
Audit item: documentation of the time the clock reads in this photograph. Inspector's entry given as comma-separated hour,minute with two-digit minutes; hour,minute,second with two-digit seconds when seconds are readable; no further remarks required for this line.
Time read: 1,53
